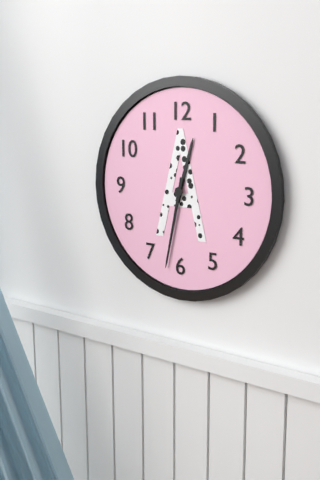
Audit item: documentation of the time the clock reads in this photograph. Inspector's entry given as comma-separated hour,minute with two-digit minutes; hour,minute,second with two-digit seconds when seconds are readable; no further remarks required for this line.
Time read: 12,32
